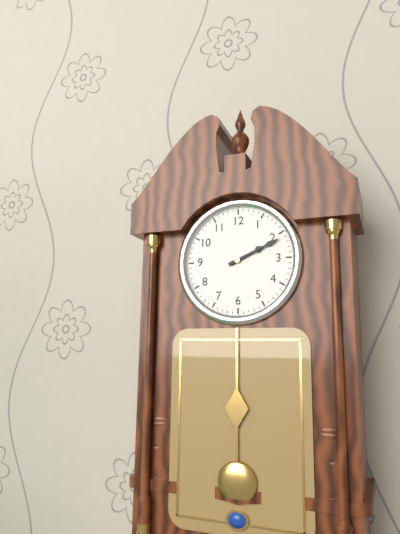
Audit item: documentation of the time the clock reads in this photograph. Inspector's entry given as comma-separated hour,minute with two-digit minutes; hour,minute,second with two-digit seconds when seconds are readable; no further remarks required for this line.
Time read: 2,11
